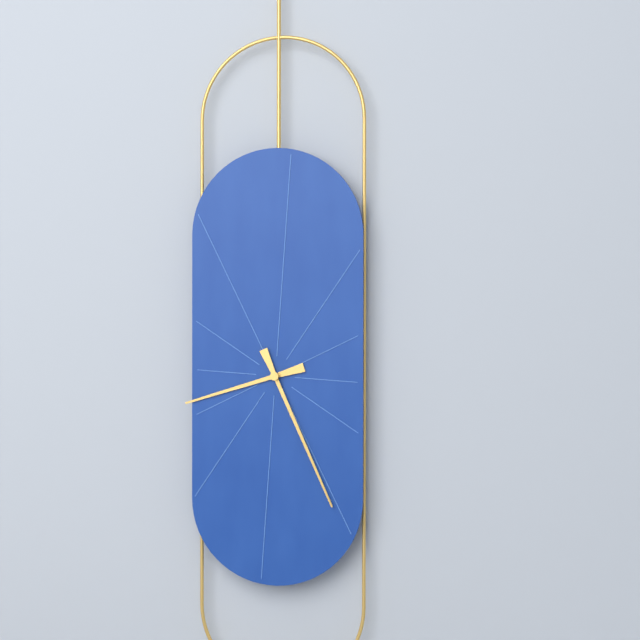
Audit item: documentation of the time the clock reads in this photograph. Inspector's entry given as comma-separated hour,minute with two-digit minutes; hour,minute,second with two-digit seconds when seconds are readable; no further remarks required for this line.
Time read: 8,26
